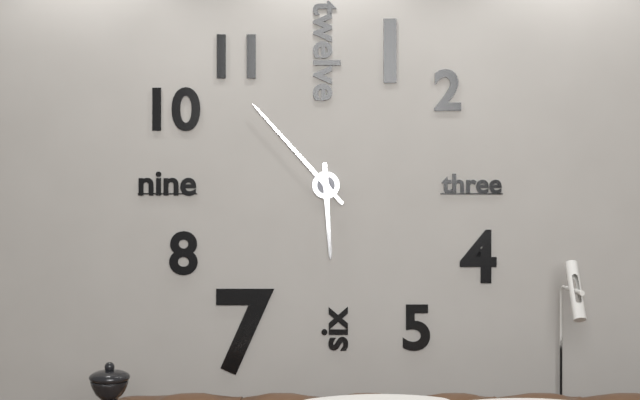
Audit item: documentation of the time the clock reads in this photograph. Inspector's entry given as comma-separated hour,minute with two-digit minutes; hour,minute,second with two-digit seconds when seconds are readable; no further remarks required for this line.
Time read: 5,53
